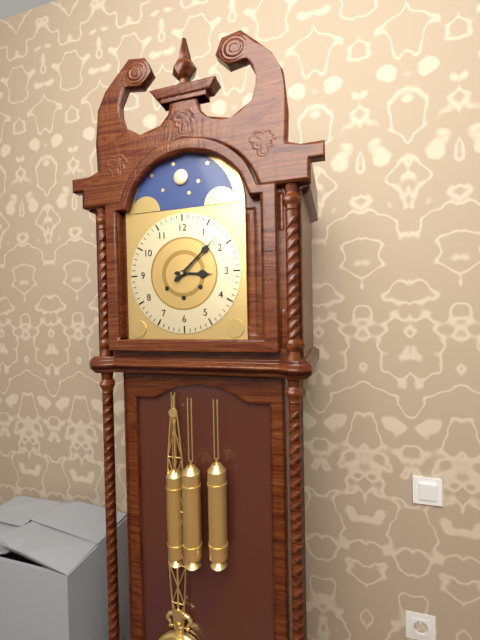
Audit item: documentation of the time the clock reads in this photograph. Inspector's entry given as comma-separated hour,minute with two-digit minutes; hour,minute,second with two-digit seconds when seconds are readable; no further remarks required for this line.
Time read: 3,08
